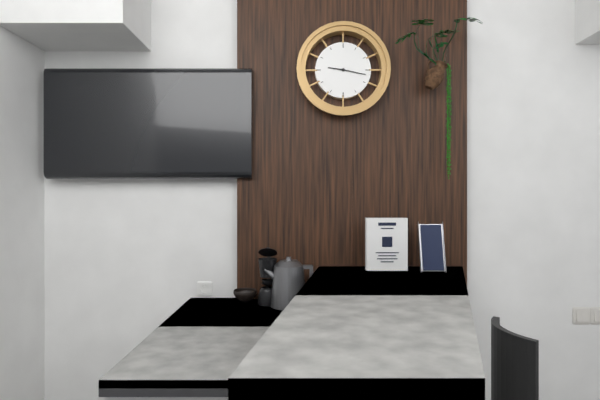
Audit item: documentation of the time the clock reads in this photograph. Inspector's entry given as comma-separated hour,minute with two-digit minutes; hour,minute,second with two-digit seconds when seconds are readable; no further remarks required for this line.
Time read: 9,17
